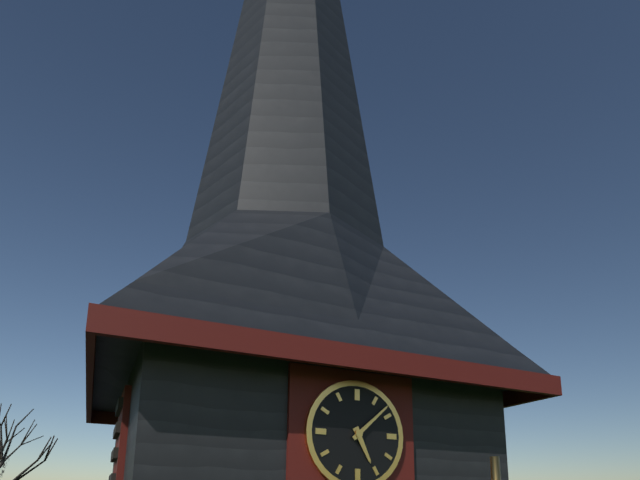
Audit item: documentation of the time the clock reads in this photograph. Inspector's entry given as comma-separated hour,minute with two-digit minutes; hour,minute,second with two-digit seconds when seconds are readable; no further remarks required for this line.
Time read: 5,08
